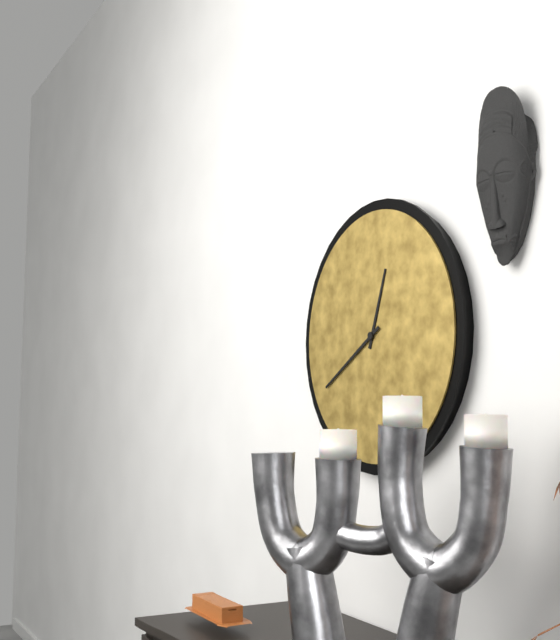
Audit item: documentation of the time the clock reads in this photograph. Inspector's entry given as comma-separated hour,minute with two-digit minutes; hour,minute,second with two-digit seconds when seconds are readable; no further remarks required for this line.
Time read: 12,40
